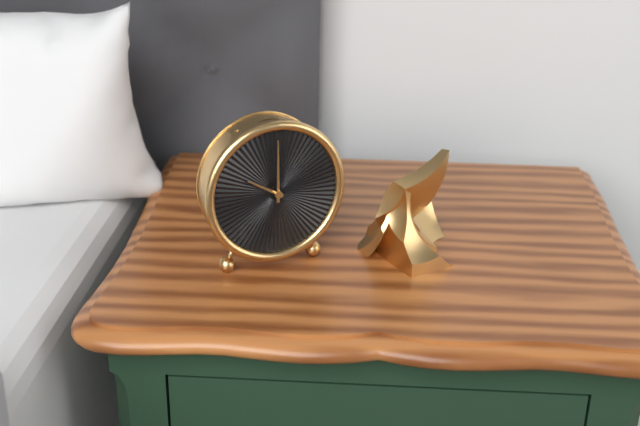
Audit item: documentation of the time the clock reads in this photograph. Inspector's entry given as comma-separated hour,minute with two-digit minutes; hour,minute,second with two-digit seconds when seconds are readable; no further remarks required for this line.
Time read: 10,00
